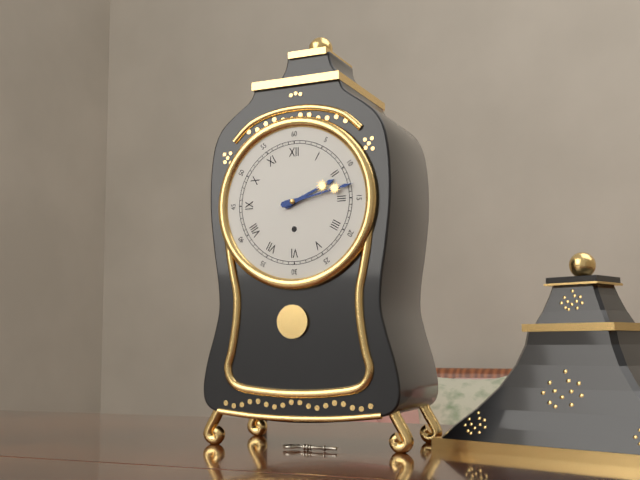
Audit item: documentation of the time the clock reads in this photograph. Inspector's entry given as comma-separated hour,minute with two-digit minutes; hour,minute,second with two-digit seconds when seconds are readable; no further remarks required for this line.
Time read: 2,13
